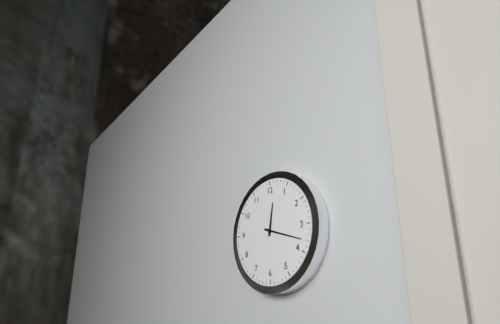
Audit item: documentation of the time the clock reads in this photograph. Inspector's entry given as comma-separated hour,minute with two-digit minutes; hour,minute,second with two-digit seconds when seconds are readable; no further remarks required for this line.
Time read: 12,18
